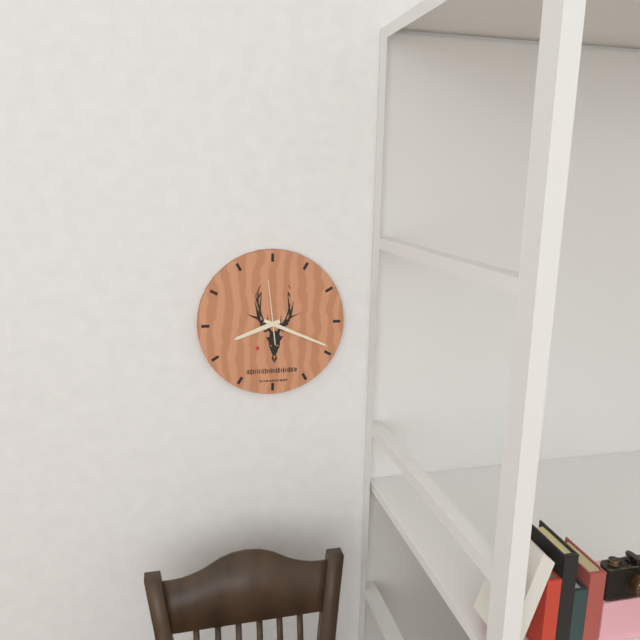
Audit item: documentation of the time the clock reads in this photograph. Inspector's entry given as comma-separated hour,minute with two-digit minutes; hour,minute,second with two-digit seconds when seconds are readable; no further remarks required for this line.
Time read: 8,19,59
